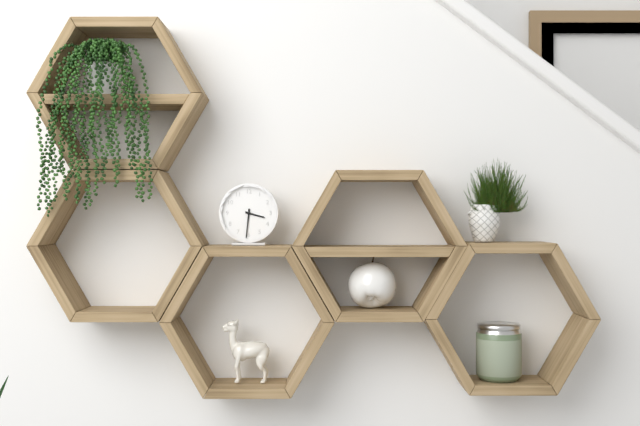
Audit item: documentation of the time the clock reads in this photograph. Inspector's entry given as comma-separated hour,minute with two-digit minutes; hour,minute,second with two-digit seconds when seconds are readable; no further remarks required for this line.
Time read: 3,31
